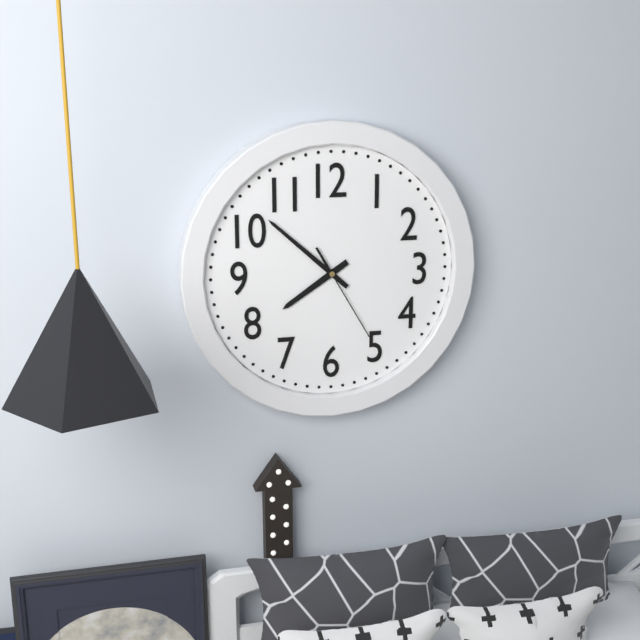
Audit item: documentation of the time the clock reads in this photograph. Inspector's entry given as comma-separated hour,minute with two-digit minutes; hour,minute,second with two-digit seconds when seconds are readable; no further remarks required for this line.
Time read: 7,52,25
